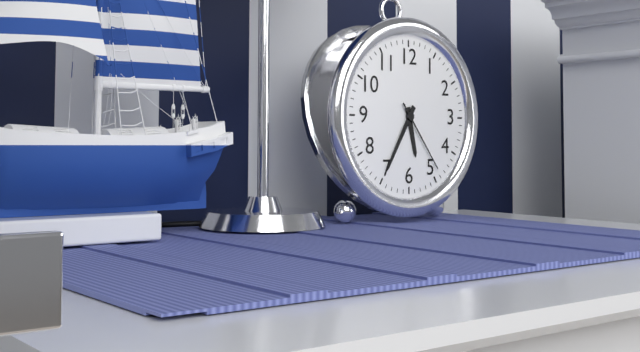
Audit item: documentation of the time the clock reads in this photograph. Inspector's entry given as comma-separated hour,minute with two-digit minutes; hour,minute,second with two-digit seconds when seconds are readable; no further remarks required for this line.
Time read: 5,35,24
